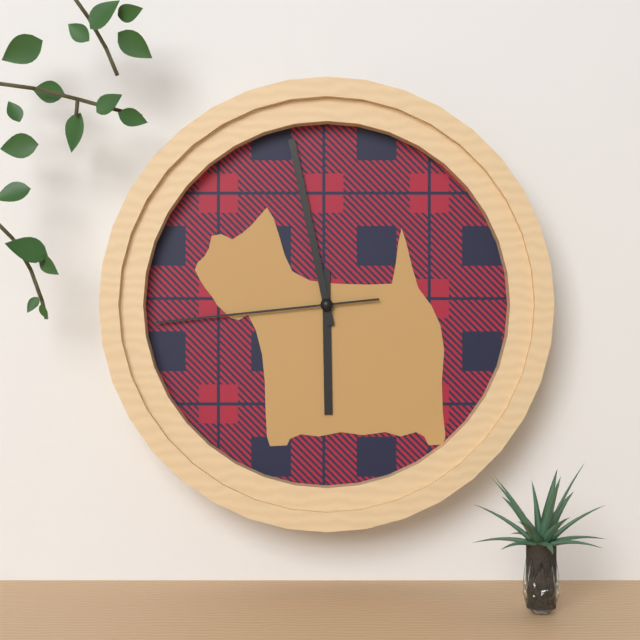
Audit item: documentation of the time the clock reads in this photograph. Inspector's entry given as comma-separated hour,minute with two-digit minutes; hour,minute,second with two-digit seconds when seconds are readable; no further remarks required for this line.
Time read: 5,58,44
